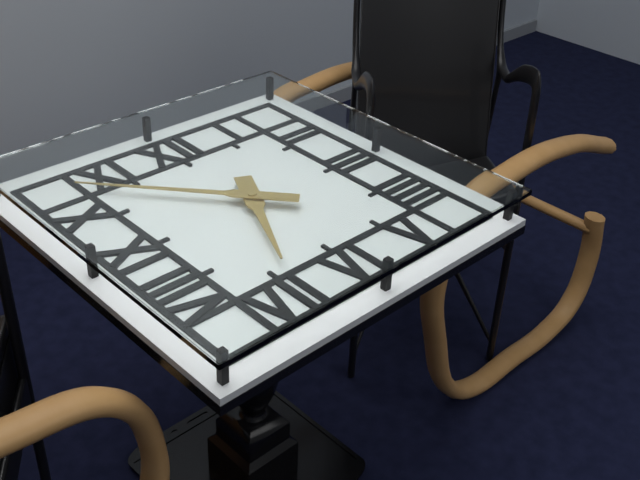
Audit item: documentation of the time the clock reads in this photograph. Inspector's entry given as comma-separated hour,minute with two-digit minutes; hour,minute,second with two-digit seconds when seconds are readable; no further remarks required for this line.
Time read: 6,53
